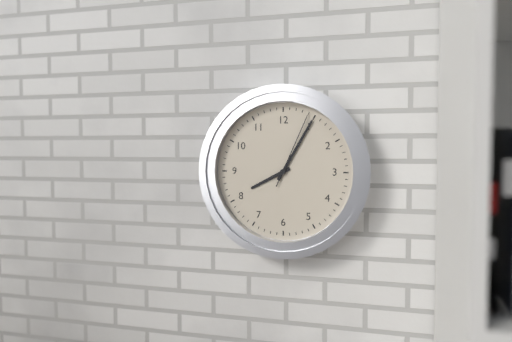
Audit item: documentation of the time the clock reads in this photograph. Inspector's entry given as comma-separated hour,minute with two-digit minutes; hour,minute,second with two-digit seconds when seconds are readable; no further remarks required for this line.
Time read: 8,05,04
